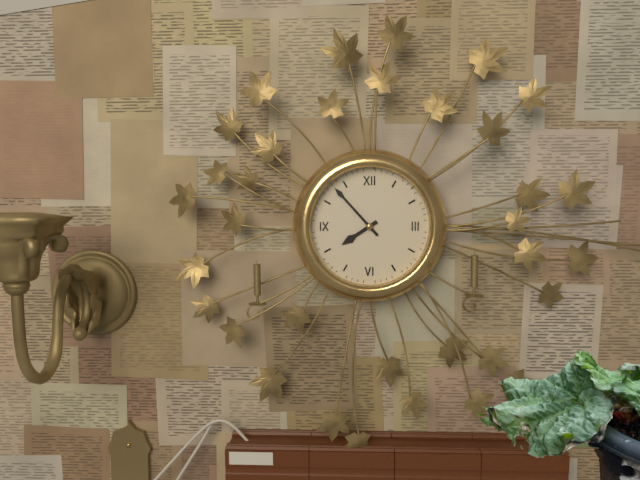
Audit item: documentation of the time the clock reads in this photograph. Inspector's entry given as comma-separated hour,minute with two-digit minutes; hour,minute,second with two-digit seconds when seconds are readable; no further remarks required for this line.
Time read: 7,53
